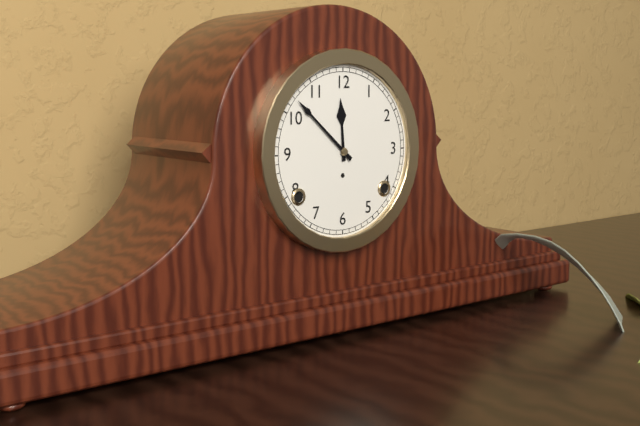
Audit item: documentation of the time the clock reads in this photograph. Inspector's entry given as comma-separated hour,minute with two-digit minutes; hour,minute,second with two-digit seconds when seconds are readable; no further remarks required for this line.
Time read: 11,52
